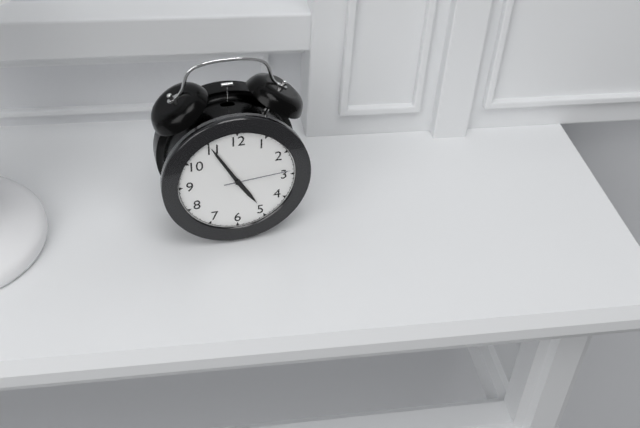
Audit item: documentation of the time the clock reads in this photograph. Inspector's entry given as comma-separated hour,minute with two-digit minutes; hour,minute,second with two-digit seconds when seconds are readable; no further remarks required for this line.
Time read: 4,55,14
